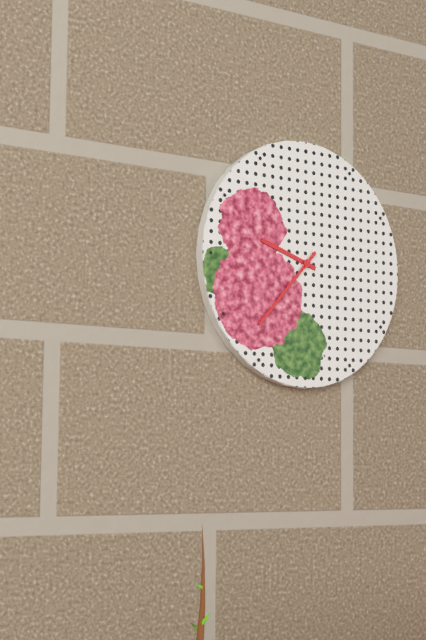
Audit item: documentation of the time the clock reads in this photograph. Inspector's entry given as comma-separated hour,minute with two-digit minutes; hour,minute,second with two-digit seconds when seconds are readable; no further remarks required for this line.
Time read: 9,37
